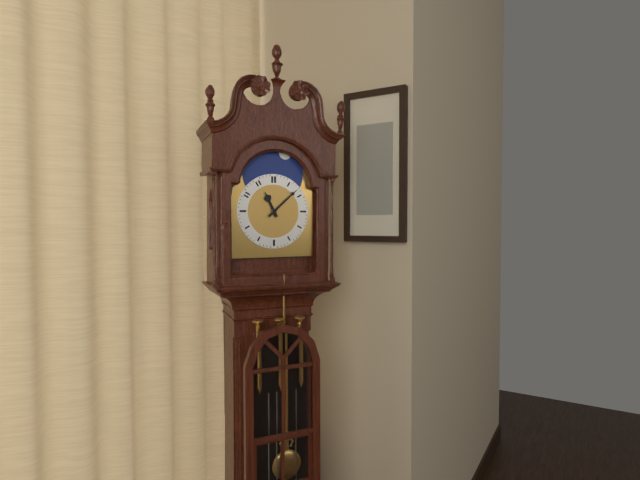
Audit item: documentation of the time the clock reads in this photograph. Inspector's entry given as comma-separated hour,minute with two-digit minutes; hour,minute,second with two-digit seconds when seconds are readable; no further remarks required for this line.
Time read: 11,08
